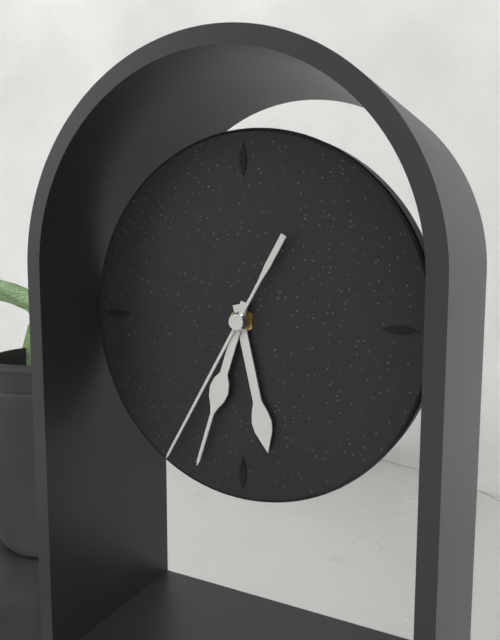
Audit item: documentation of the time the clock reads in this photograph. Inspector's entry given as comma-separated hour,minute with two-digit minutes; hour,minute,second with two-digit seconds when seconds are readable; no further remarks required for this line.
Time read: 5,33,35
